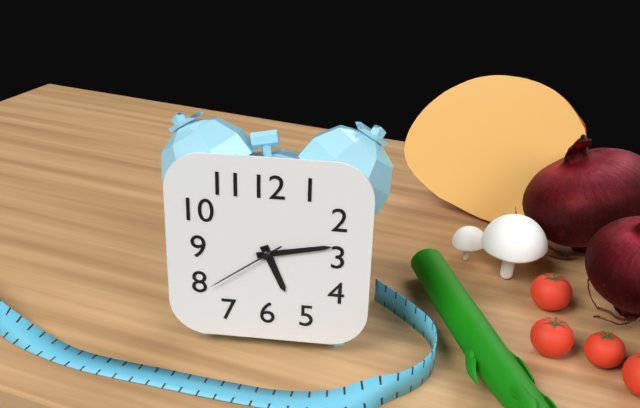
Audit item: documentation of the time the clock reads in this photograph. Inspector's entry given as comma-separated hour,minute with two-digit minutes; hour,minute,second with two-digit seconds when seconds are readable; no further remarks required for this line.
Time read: 5,13,39
